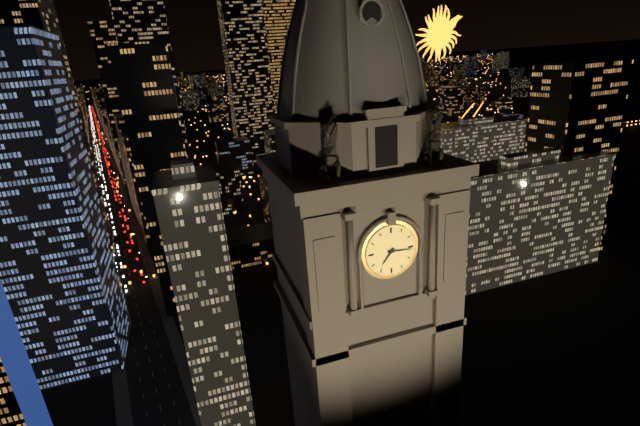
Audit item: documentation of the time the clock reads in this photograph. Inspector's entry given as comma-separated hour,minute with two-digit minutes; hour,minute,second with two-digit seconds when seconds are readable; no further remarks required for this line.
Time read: 7,16
